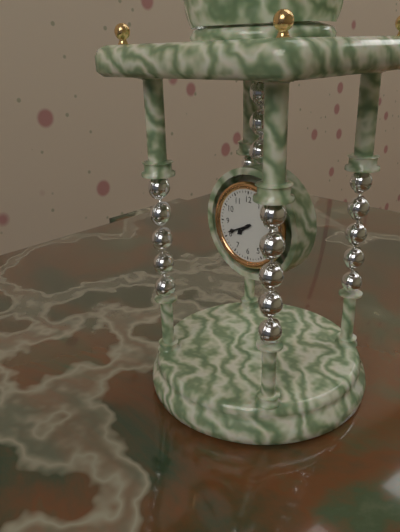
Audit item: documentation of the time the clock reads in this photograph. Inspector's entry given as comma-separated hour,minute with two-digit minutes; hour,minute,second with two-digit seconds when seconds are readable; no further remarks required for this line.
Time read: 7,41
